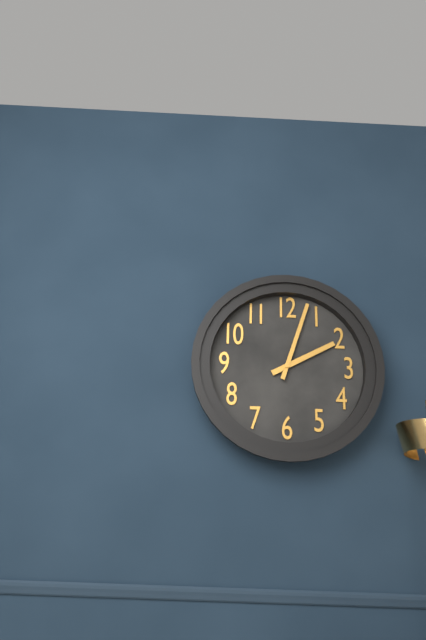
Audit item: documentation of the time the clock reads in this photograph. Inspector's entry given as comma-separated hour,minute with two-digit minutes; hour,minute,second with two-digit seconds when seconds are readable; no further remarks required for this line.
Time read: 2,03
